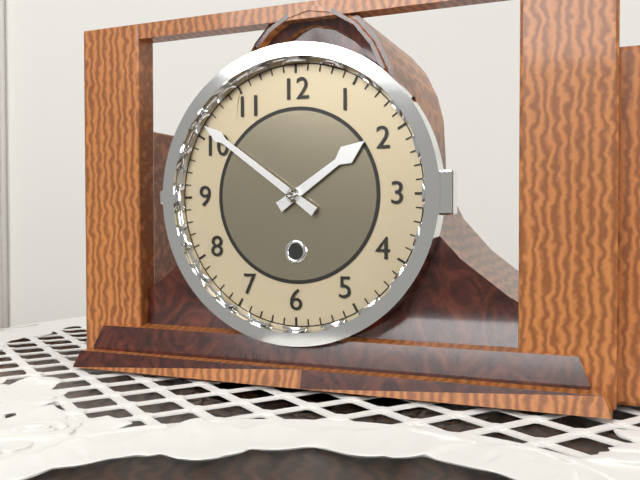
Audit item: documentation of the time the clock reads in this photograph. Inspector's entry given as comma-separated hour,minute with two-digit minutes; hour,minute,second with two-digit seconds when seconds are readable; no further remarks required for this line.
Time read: 1,51
